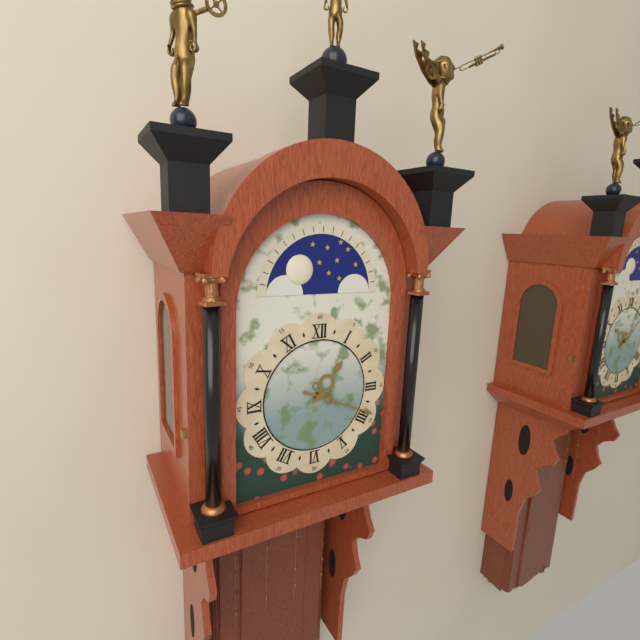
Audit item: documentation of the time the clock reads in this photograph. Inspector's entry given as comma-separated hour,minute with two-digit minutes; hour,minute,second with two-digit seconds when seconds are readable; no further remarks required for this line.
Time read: 1,19
